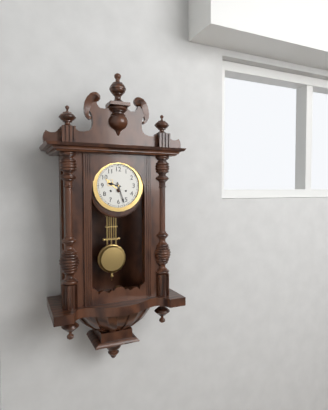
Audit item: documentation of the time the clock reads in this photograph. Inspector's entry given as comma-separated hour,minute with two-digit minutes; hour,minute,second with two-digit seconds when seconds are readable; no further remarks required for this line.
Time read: 9,27
